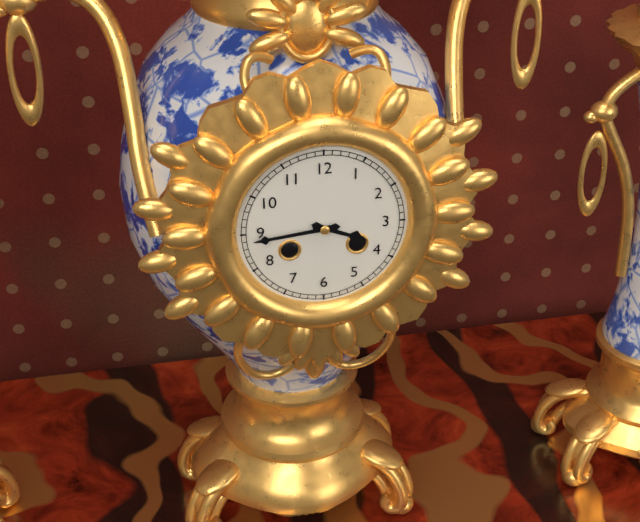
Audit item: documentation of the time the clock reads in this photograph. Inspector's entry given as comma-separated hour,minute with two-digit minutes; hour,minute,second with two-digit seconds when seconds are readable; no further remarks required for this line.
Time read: 3,44
